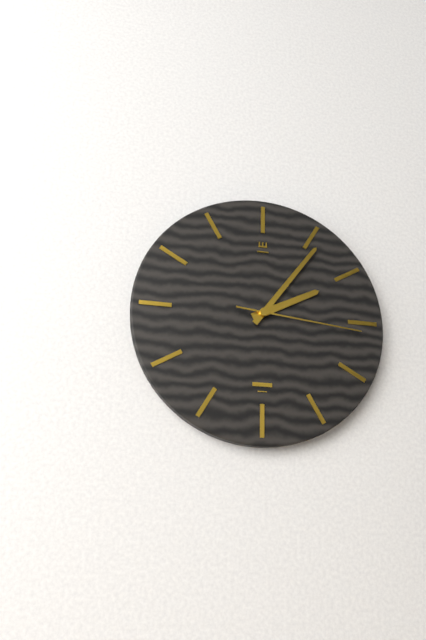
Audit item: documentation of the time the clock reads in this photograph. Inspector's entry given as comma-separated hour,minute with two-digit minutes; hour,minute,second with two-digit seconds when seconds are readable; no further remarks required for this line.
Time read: 2,06,16
